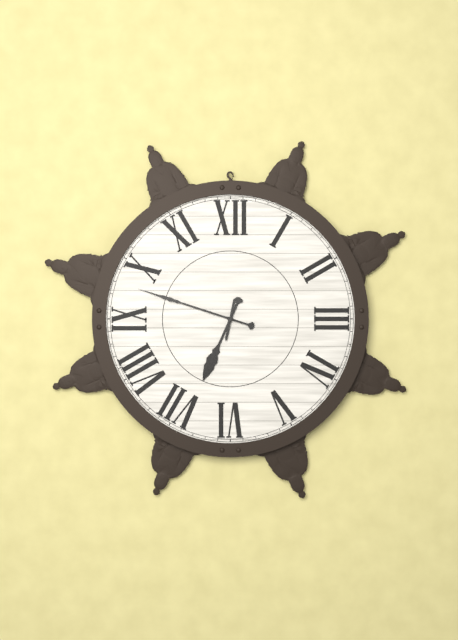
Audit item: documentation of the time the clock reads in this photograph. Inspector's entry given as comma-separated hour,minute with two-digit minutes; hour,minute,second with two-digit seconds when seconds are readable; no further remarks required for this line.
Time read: 6,48
